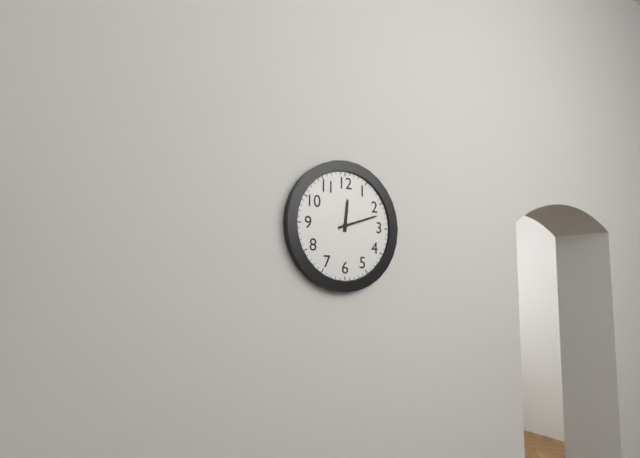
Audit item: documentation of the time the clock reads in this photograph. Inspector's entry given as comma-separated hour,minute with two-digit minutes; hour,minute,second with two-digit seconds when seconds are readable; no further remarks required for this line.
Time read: 12,12
